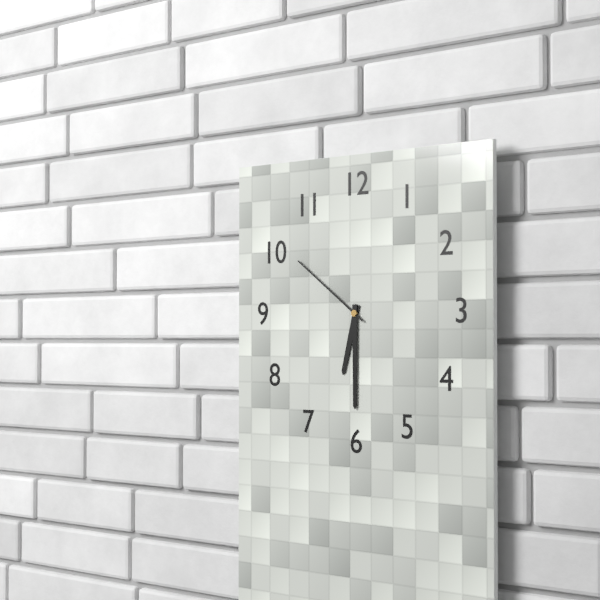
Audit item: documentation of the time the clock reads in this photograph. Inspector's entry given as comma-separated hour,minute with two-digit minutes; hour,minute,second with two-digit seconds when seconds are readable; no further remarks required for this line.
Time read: 6,30,51
